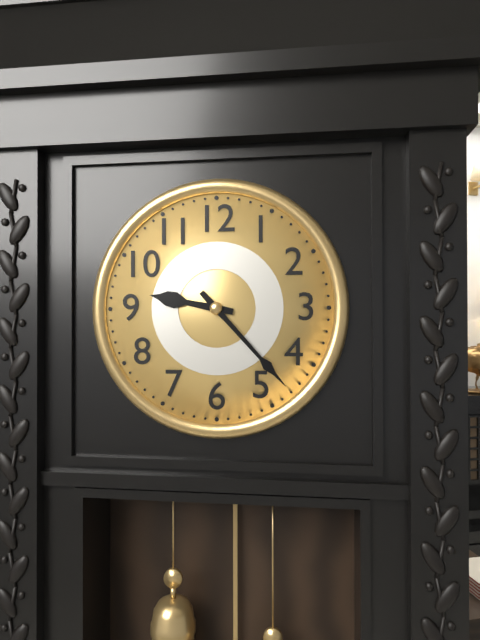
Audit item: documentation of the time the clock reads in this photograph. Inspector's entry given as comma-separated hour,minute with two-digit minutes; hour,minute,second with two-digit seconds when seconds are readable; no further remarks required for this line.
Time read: 9,23
